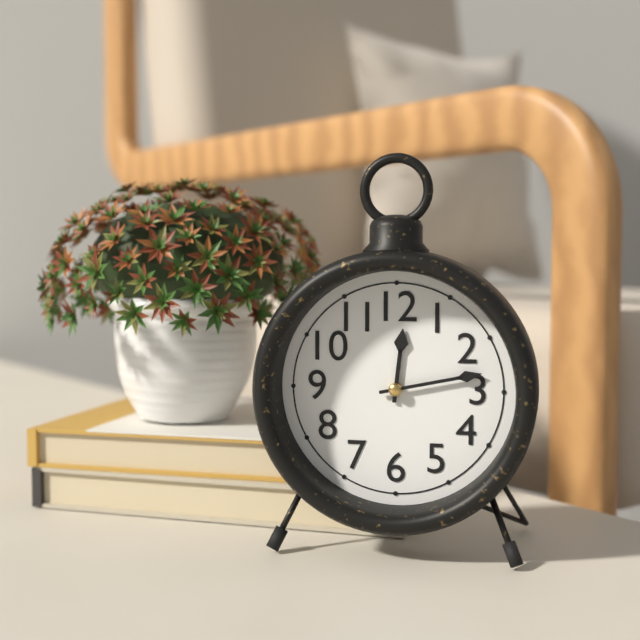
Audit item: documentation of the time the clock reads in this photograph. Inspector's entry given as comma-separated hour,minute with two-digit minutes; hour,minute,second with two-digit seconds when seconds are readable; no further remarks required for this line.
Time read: 12,13
